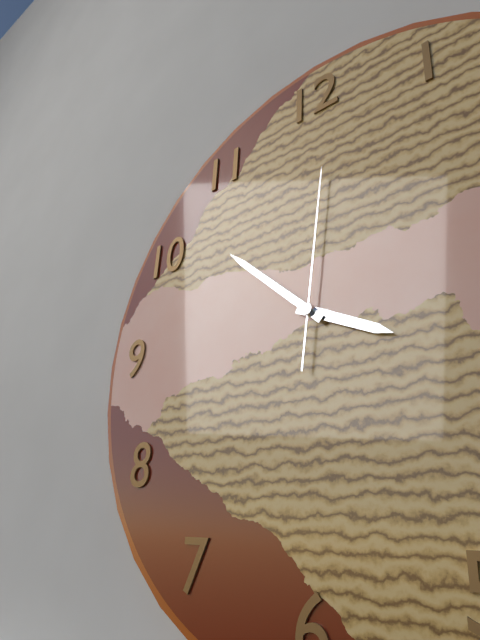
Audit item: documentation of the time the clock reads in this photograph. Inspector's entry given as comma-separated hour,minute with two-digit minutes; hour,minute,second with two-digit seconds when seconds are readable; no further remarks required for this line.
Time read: 3,52,01
